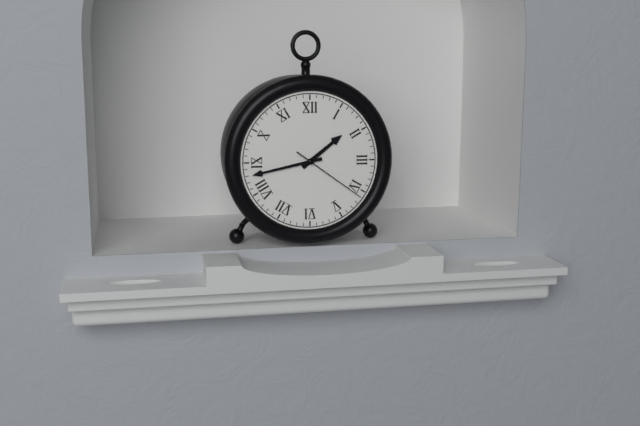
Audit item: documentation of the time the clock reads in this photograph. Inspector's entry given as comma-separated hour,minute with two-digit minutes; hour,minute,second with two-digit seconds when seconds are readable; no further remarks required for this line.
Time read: 1,43,21
